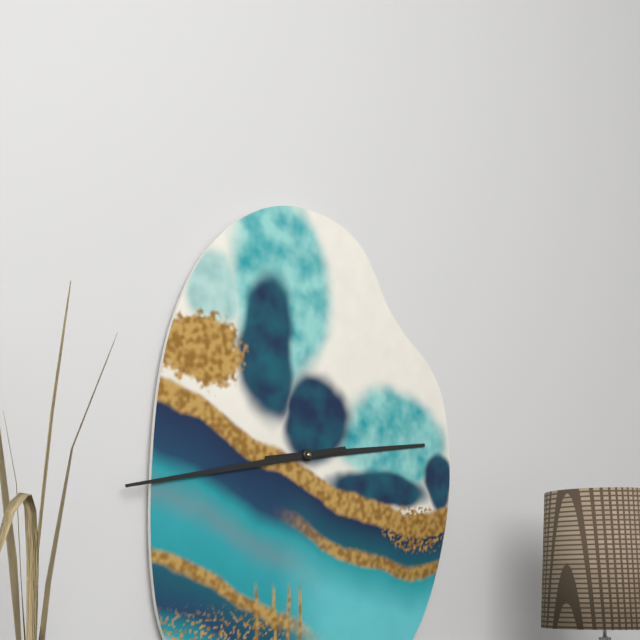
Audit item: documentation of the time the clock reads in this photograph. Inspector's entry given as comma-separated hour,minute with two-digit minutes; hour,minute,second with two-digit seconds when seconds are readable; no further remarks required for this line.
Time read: 2,43
